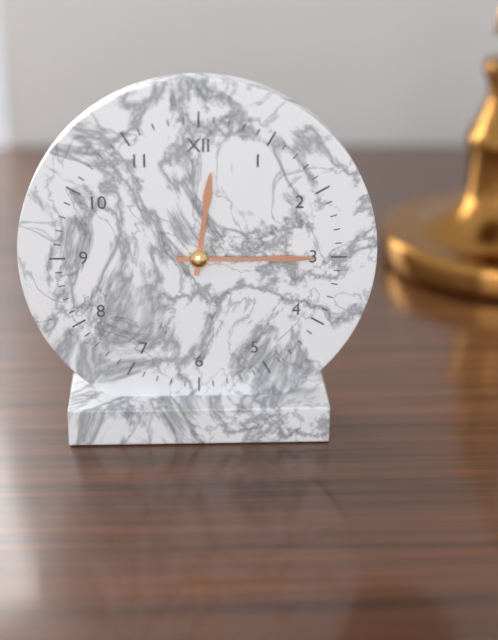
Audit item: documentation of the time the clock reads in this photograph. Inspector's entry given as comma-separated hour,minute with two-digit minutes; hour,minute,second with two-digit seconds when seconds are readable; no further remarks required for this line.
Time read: 12,15
